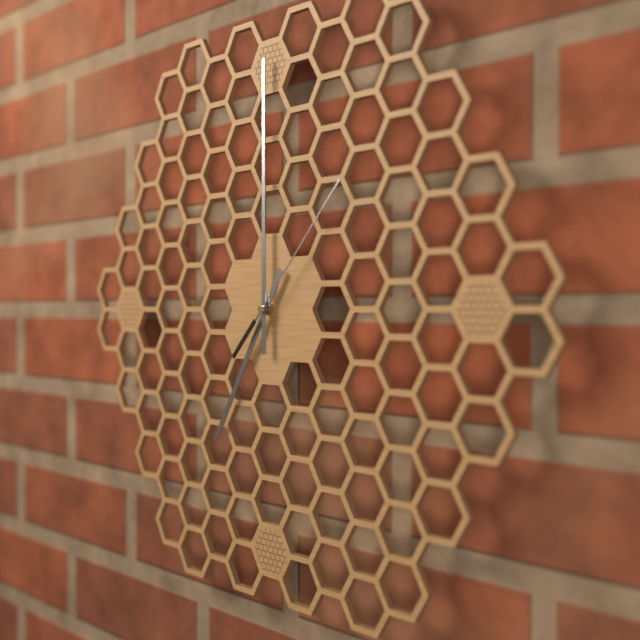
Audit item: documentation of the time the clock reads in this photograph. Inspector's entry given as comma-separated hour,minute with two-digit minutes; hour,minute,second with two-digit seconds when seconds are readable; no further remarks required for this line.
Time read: 7,00,07
